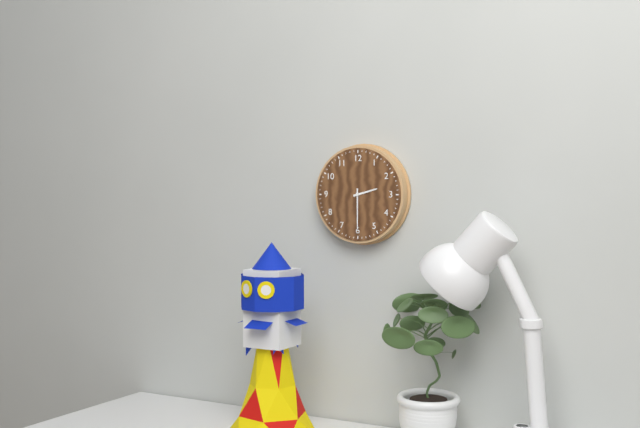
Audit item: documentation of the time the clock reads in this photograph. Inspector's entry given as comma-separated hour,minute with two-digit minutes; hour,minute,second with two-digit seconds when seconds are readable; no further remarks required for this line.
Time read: 2,30
